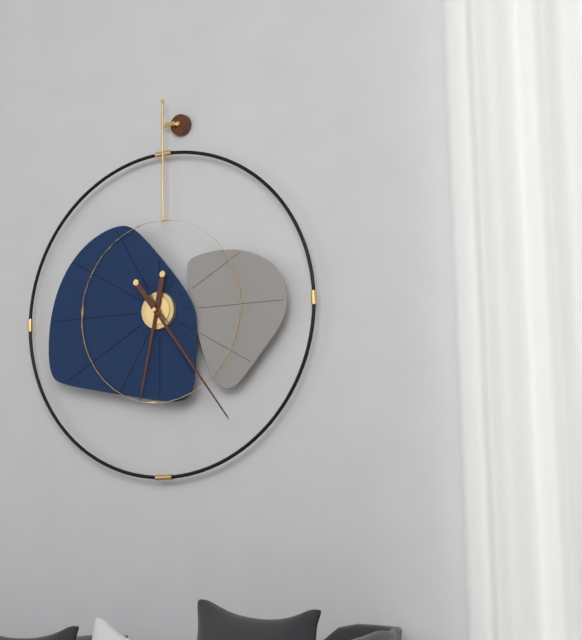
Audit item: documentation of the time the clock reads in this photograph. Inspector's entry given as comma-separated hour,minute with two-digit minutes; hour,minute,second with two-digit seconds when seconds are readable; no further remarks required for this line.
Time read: 6,24
